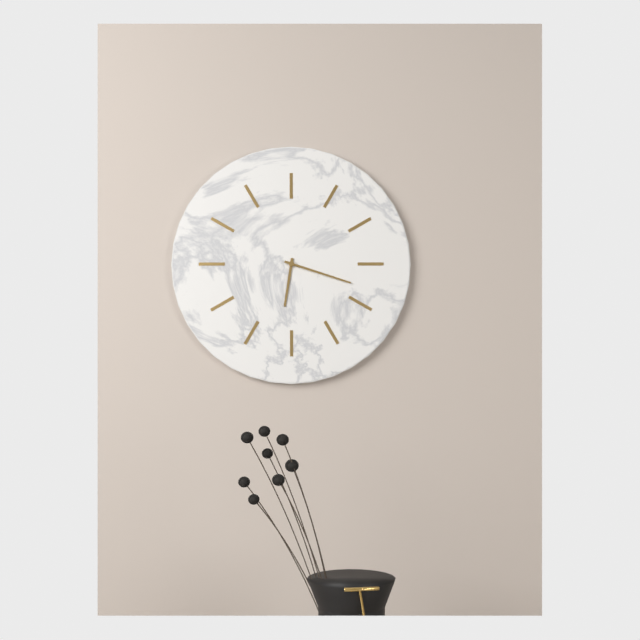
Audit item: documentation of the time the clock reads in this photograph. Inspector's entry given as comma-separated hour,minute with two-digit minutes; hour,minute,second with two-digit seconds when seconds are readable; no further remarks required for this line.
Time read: 6,18
